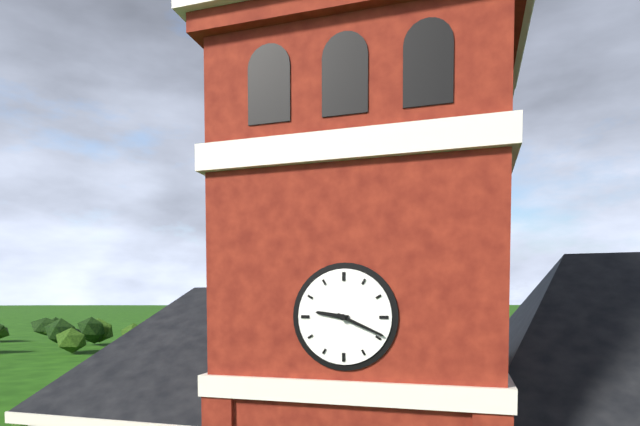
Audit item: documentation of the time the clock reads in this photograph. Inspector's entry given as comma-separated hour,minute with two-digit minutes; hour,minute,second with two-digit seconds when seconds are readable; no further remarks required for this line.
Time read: 9,19
